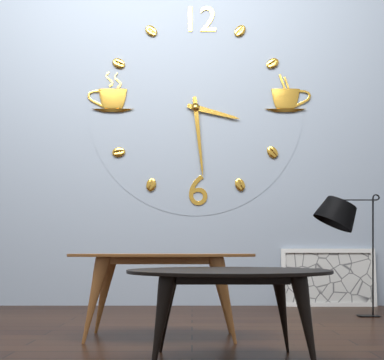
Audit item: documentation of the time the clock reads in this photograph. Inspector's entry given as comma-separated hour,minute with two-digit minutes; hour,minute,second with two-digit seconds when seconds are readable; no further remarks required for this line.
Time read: 3,29
